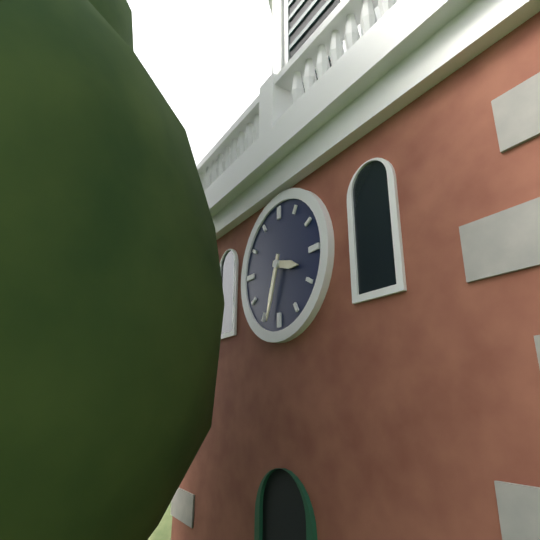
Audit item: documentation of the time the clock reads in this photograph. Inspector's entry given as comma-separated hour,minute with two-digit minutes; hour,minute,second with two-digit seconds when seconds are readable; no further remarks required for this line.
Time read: 3,33
